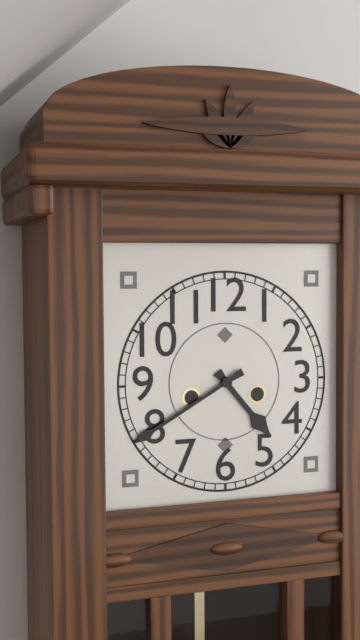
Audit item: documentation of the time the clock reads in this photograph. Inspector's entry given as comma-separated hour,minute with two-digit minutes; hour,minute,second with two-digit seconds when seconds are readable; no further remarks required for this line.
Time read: 4,40
